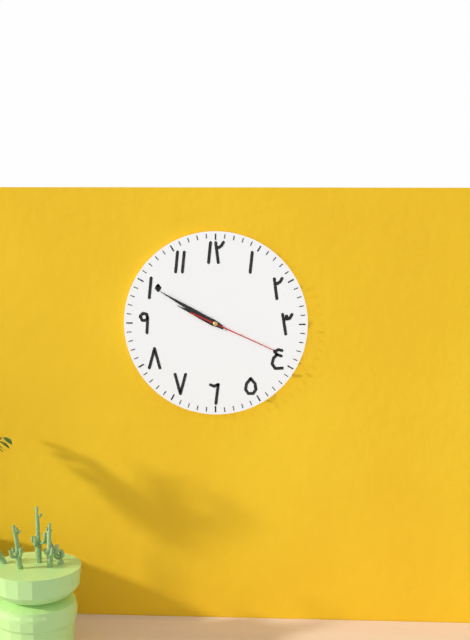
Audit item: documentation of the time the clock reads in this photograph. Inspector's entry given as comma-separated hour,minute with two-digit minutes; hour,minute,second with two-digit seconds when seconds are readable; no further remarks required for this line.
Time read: 9,50,19
